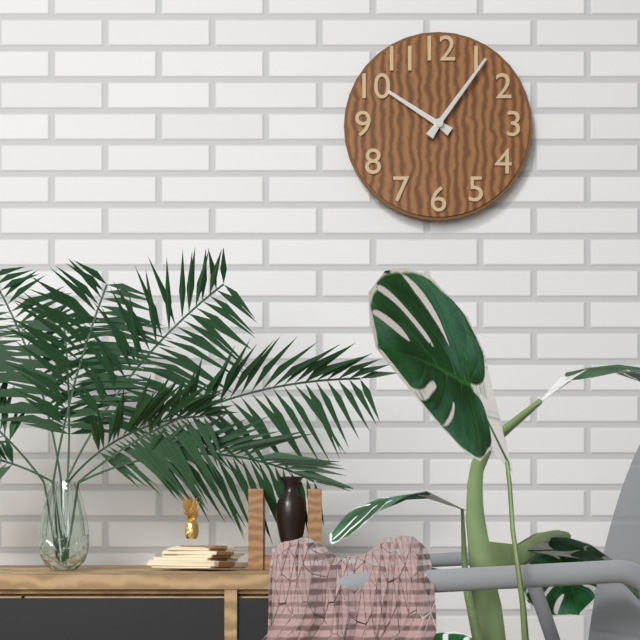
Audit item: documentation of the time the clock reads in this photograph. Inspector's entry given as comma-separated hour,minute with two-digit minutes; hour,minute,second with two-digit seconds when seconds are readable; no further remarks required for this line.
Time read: 10,06
